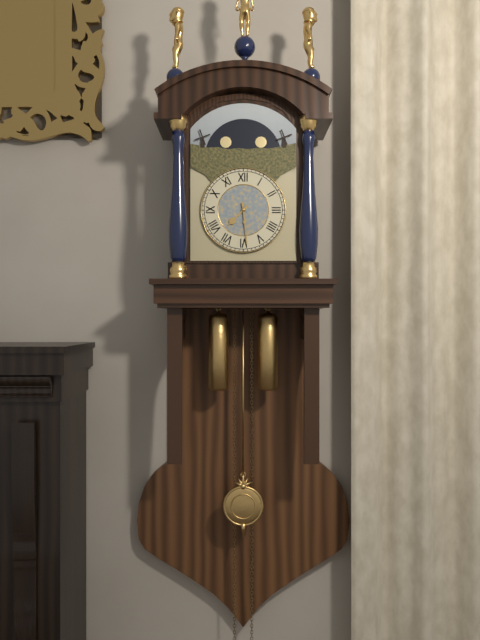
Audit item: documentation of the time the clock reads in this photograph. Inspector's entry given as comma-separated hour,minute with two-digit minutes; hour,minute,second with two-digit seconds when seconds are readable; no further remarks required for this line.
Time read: 7,29
